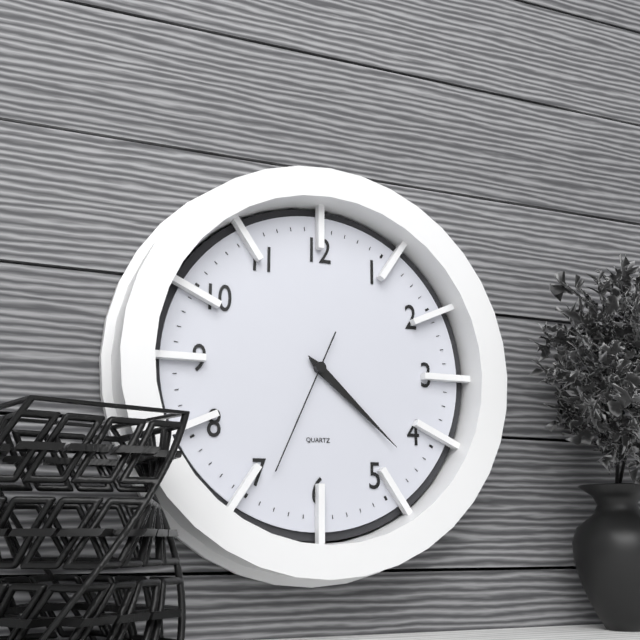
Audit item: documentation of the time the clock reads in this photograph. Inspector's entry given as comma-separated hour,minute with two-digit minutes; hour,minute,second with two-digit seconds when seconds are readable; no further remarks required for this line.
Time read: 4,22,34
